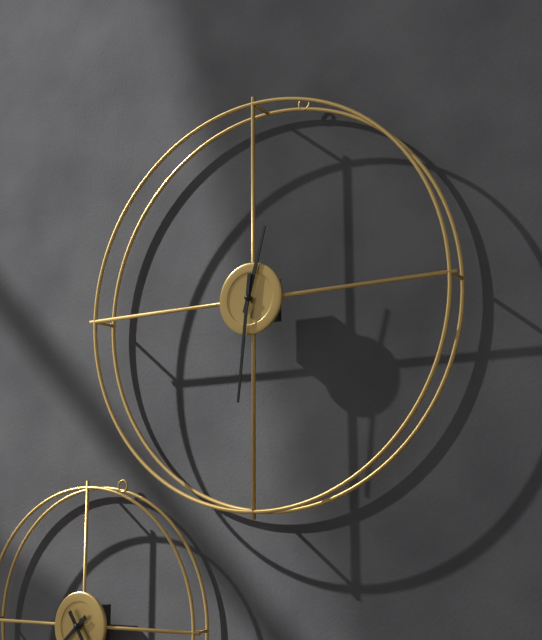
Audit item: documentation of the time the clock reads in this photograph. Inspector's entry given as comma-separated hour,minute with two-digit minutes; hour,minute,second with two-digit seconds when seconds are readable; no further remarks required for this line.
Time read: 12,31
